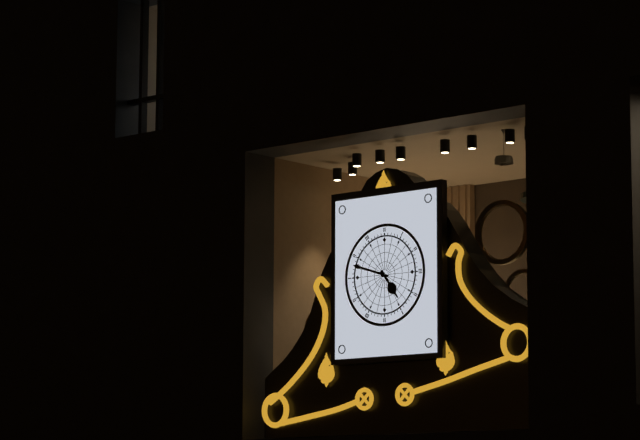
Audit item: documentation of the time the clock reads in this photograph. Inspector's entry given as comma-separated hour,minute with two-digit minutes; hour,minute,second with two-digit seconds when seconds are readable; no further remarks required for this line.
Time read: 4,48
